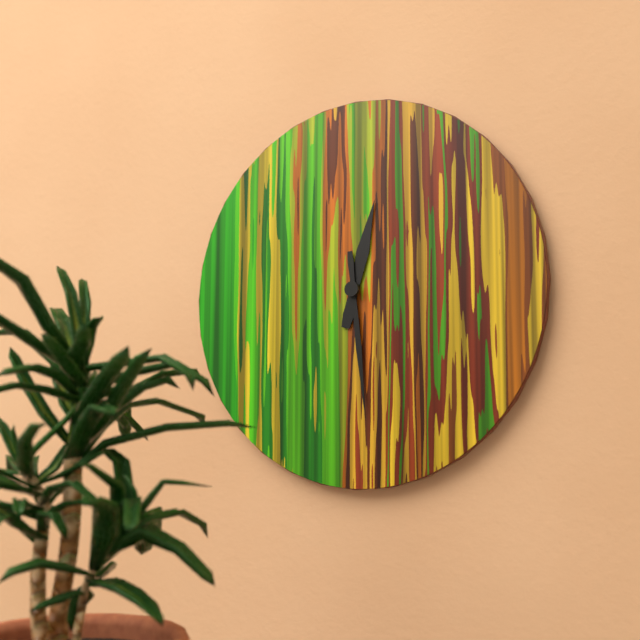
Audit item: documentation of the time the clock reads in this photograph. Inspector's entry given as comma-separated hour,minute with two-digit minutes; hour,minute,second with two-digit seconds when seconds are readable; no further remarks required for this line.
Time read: 12,29
